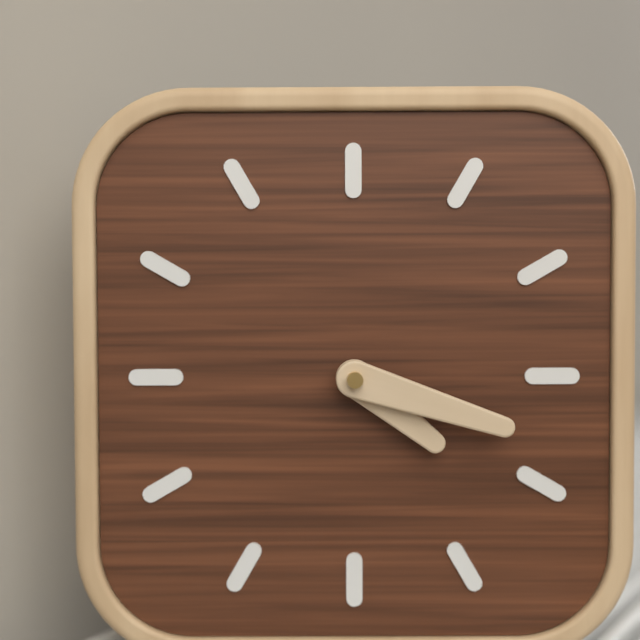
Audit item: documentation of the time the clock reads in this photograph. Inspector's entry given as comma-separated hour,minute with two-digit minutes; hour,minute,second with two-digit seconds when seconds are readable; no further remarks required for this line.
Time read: 4,18
